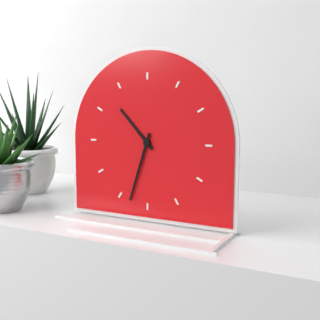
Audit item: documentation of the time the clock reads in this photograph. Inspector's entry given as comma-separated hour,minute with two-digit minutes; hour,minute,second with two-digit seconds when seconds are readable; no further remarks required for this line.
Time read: 10,33
